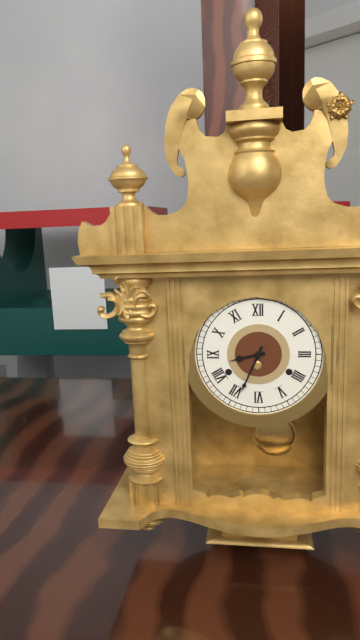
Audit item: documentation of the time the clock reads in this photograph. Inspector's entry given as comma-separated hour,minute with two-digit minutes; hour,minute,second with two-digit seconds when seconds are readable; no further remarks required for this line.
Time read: 8,34
